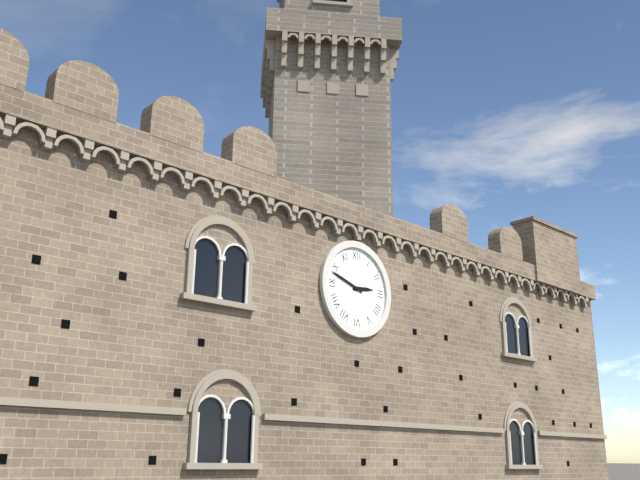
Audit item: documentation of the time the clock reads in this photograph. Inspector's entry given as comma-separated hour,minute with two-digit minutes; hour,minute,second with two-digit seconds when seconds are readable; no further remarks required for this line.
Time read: 2,48
